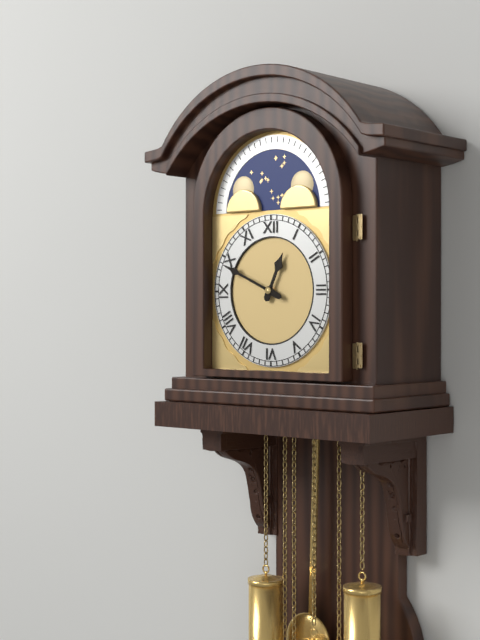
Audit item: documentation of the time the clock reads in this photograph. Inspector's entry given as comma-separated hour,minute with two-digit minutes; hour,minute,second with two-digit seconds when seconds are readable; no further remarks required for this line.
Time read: 12,49
